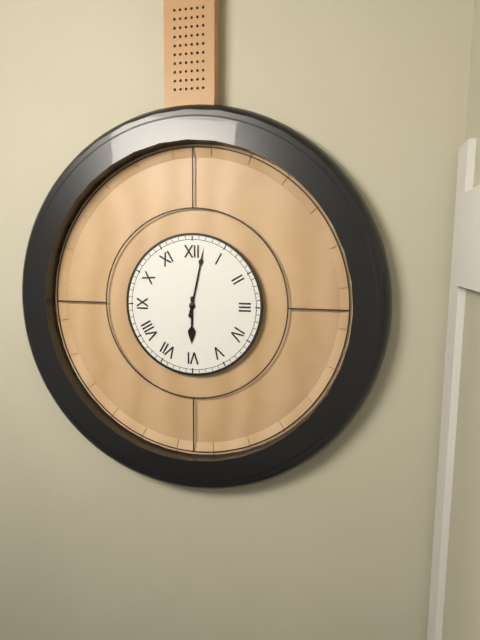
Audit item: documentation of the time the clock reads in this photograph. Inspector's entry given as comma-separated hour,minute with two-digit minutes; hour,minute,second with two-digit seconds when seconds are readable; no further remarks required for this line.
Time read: 6,02
